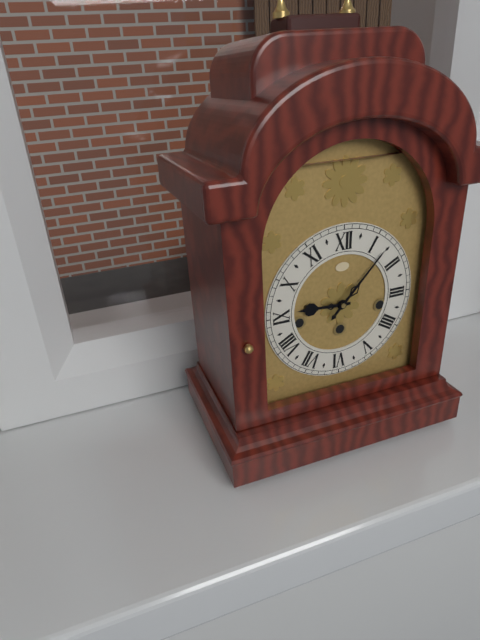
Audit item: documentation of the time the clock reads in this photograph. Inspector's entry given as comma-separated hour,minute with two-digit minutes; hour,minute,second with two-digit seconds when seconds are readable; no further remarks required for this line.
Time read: 9,07
